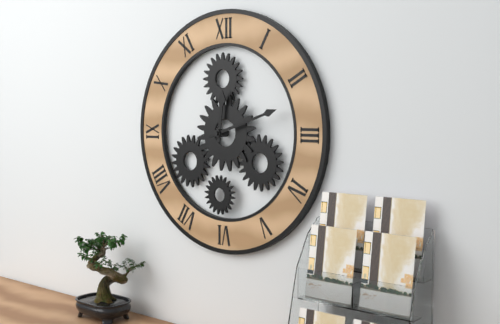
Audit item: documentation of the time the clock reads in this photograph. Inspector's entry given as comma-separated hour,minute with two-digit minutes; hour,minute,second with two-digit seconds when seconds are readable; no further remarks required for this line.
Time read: 12,12
